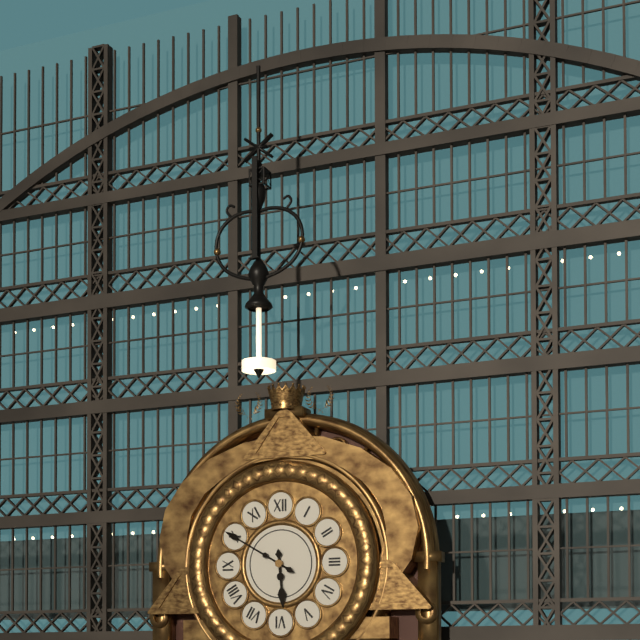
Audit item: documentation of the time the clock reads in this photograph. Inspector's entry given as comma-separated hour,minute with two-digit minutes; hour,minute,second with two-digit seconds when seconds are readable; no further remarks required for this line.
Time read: 5,50
